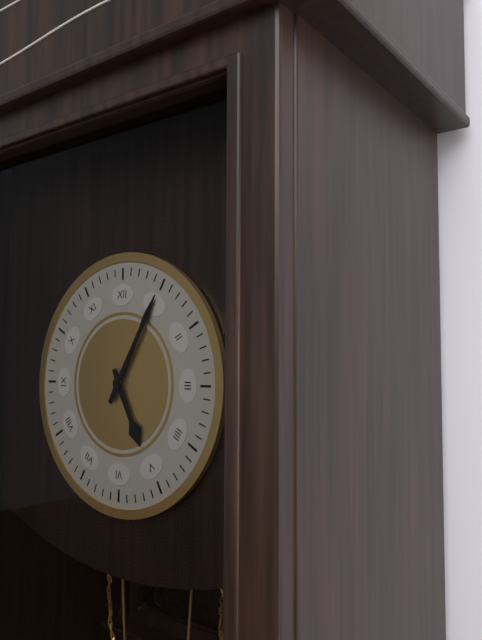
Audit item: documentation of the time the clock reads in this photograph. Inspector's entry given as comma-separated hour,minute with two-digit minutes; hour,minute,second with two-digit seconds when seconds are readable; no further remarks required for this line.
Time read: 5,05
